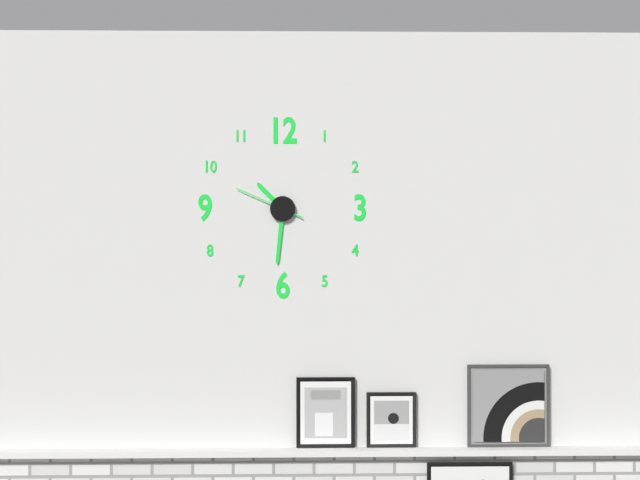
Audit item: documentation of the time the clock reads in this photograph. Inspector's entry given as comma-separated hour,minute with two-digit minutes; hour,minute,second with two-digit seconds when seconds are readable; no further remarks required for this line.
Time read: 10,31,49
